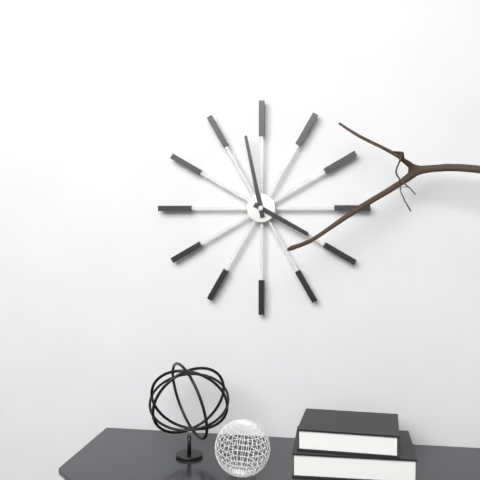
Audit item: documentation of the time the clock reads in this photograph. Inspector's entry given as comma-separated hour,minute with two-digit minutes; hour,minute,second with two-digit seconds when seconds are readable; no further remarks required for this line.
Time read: 3,58
